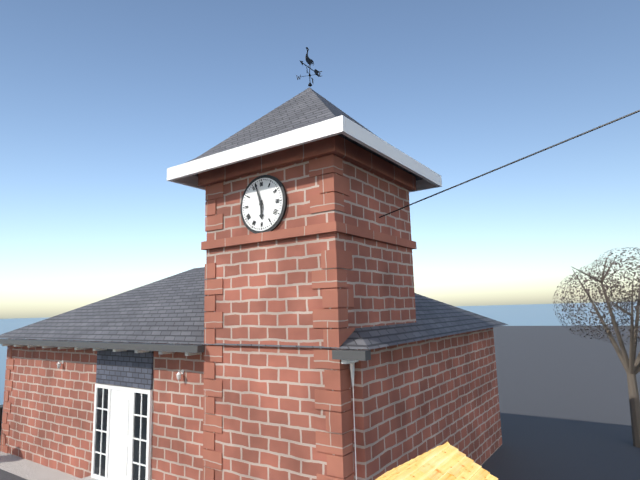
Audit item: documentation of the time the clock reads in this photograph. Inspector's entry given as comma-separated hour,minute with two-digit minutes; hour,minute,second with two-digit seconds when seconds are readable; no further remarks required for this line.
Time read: 5,57
